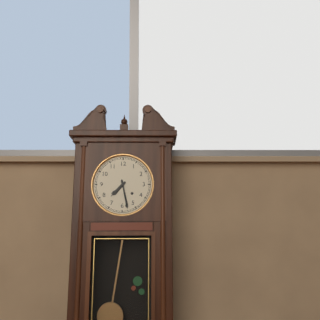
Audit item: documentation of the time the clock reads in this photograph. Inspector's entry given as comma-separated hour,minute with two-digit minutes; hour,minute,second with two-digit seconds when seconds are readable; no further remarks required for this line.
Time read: 7,28
